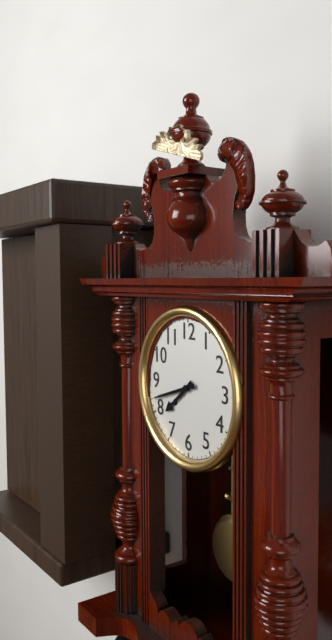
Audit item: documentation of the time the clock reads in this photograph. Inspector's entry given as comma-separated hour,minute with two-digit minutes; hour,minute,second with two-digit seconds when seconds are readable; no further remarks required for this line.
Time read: 7,42
